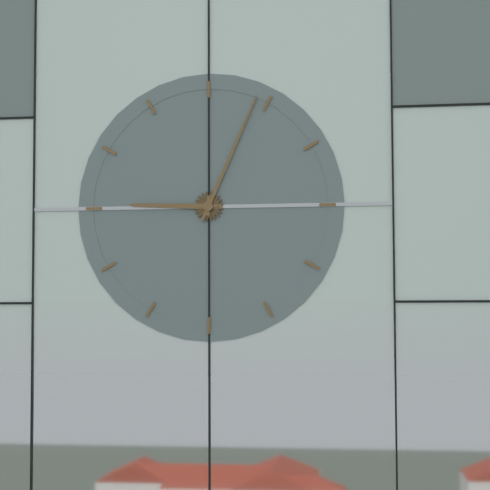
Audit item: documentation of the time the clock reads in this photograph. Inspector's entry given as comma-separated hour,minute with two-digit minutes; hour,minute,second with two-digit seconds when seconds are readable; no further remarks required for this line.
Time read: 9,04
